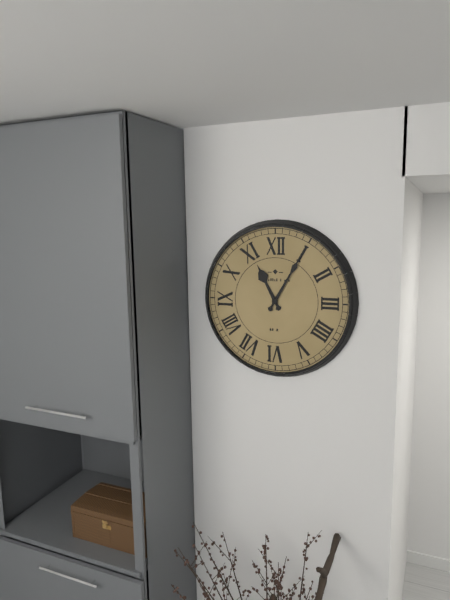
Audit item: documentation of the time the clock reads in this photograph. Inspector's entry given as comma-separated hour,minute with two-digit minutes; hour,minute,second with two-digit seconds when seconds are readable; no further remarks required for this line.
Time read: 11,05
